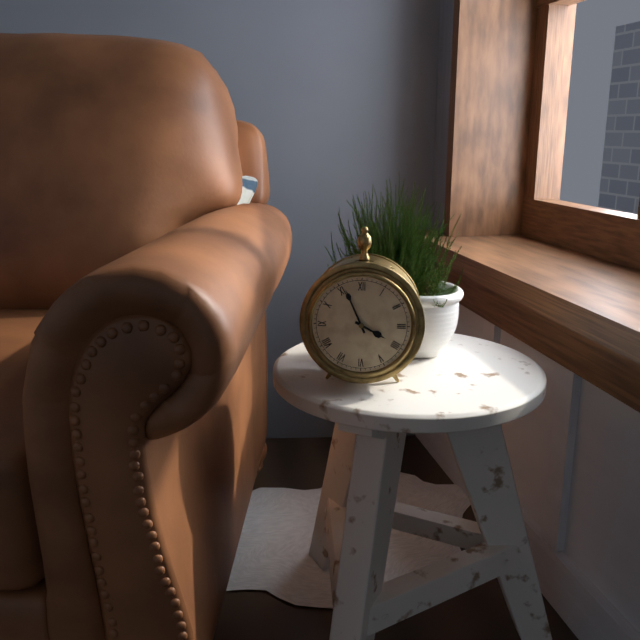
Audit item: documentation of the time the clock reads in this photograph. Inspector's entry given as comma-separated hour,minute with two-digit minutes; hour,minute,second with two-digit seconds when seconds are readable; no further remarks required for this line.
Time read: 3,56
